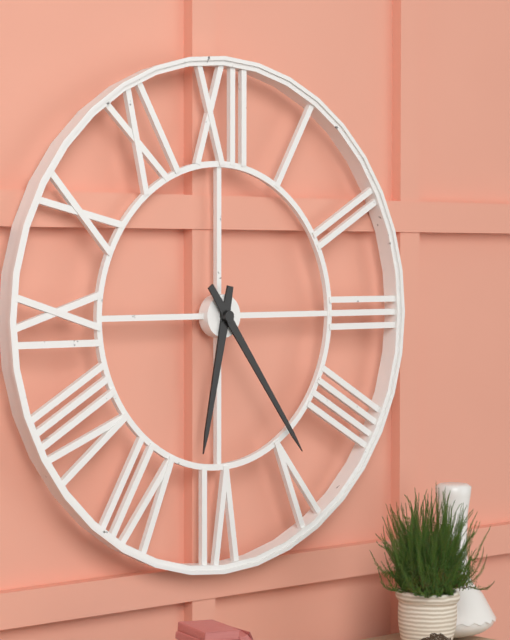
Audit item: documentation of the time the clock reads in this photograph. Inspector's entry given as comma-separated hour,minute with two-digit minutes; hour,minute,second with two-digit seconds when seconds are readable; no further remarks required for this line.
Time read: 6,24
